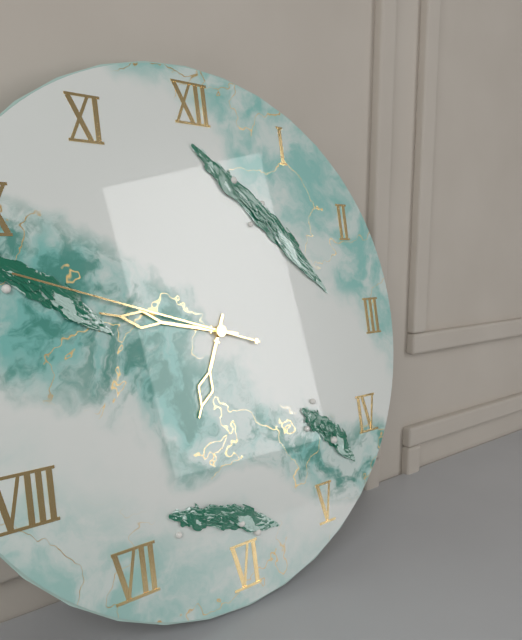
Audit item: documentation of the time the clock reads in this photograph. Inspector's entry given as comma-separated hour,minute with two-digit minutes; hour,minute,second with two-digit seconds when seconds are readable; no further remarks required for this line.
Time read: 6,47,48
